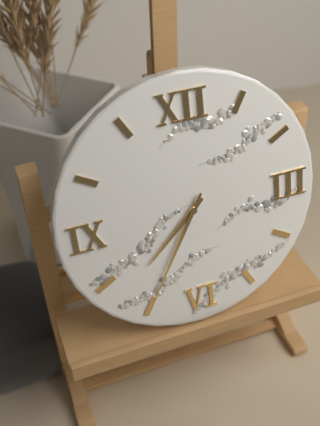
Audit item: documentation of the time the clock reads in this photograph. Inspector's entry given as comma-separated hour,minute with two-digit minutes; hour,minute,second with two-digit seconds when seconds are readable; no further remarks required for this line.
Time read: 7,35
